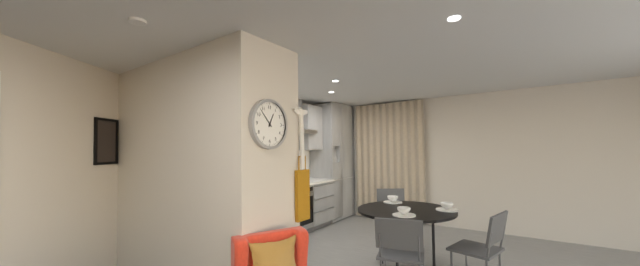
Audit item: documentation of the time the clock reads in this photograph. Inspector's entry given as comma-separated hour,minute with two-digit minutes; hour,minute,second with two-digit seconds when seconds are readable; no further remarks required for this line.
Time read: 12,53
